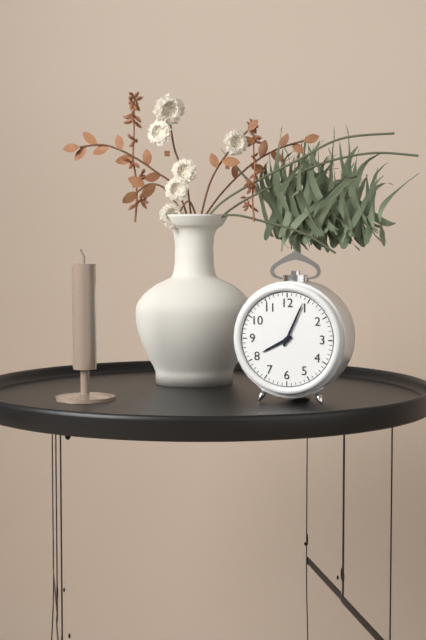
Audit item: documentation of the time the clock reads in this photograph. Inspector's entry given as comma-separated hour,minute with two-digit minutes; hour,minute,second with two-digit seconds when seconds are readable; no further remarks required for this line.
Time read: 8,04
